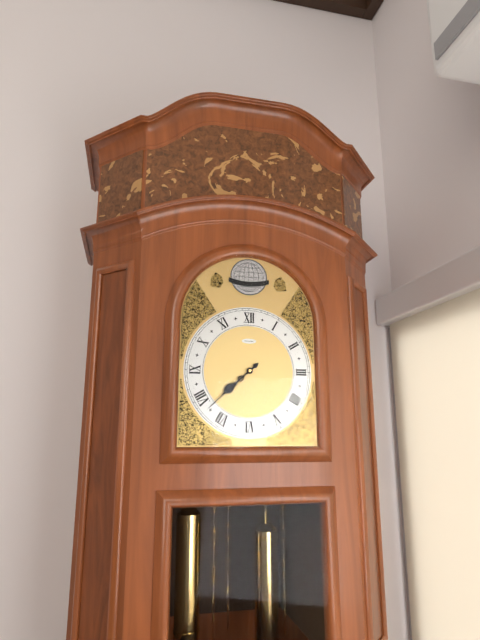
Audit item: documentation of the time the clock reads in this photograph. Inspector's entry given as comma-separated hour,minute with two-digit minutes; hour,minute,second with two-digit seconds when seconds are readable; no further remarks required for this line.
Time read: 7,38
